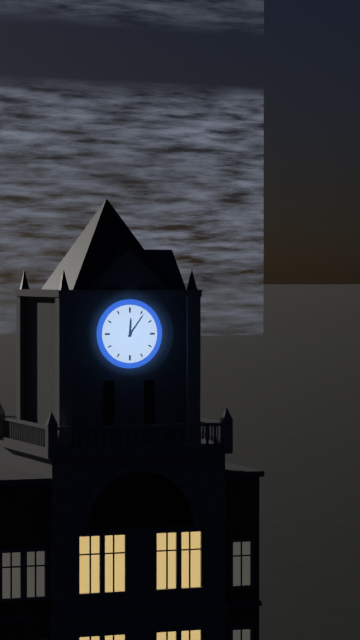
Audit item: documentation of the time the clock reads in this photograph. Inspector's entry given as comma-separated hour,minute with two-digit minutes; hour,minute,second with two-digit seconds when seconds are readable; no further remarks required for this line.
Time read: 12,06
